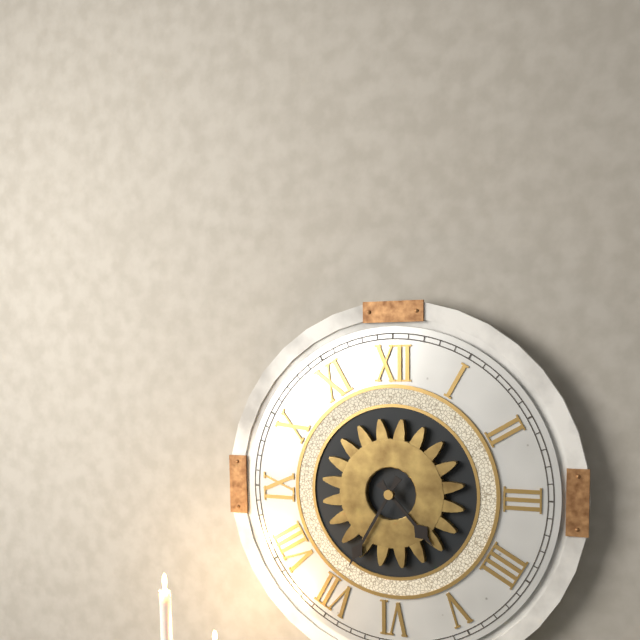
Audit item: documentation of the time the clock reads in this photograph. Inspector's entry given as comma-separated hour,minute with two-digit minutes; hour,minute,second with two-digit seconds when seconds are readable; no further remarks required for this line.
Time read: 4,35
